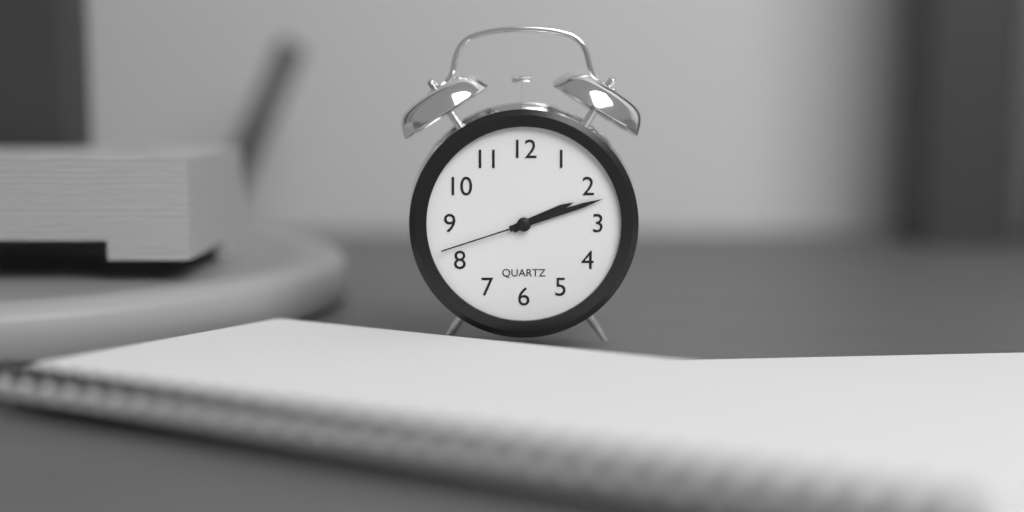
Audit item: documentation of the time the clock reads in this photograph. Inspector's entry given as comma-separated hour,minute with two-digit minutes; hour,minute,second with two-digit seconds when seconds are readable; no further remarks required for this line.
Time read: 2,12,42
